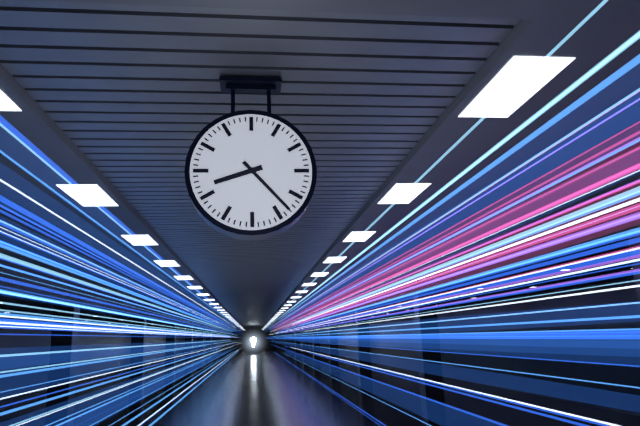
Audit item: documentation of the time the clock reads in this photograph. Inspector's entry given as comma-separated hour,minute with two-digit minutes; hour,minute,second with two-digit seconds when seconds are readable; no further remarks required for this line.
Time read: 8,23
